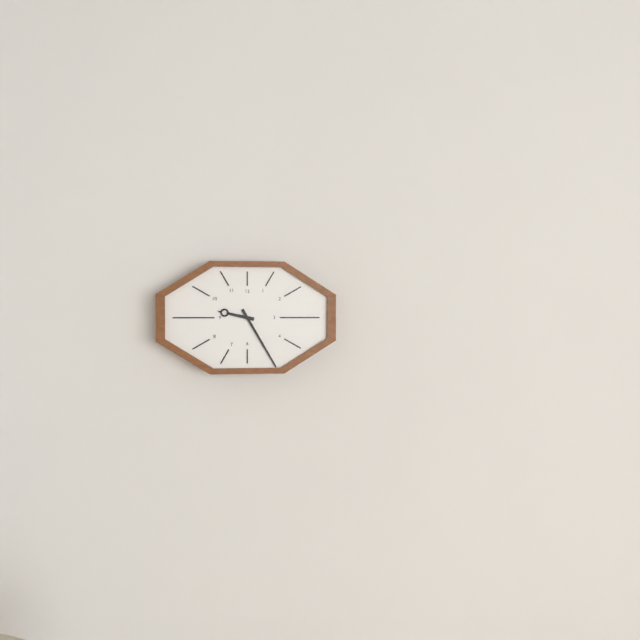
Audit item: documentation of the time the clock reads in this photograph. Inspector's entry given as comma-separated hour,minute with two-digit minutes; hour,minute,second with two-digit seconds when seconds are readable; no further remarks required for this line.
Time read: 9,25
